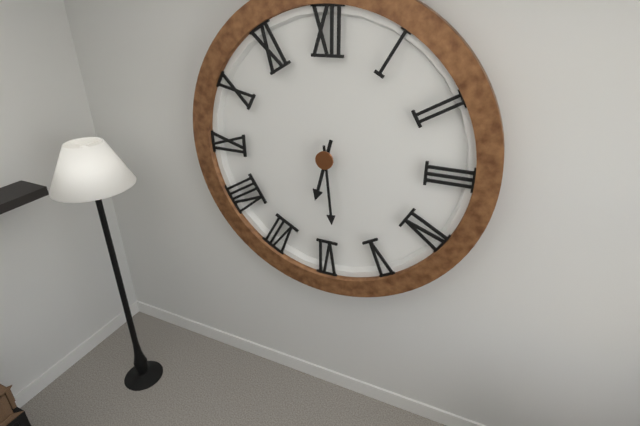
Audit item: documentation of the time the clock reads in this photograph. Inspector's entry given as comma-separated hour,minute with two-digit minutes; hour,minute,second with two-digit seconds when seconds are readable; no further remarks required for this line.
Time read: 6,29
